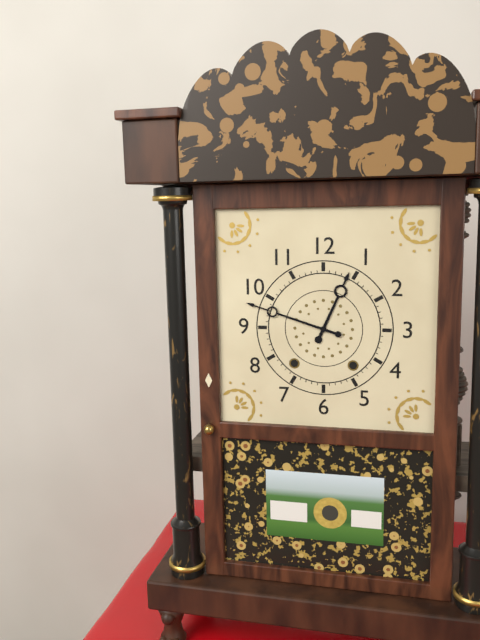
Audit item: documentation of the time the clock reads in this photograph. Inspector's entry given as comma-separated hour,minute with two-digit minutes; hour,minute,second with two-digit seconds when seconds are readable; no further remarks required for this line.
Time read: 12,48
